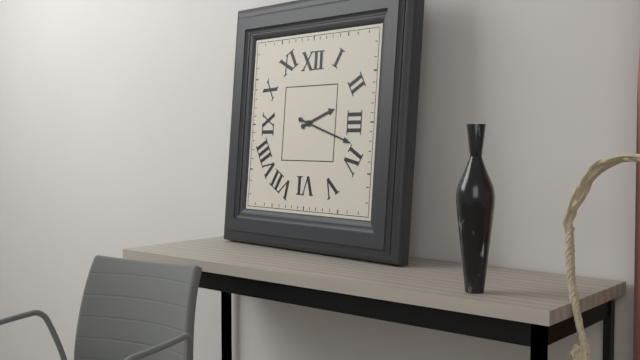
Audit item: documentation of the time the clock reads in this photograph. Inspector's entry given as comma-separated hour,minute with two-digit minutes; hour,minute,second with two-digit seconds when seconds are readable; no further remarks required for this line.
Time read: 2,18
